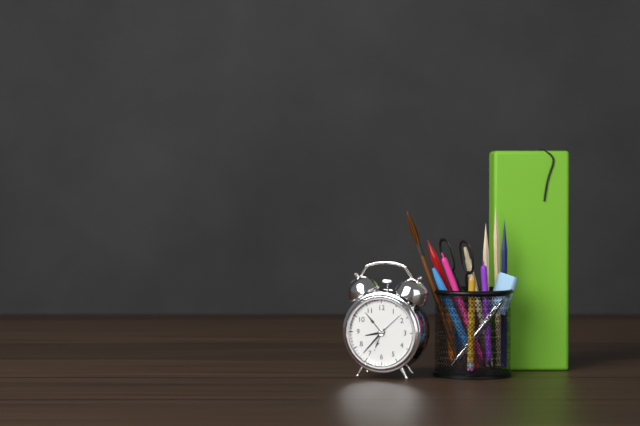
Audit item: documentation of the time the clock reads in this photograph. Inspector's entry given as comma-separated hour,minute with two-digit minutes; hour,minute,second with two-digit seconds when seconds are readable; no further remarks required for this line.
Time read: 8,37
